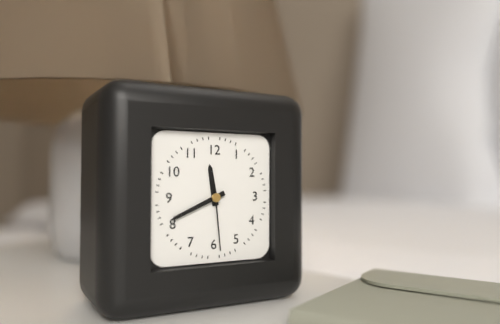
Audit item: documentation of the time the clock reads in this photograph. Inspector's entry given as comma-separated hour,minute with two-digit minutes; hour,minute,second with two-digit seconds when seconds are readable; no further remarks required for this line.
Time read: 11,41,29
